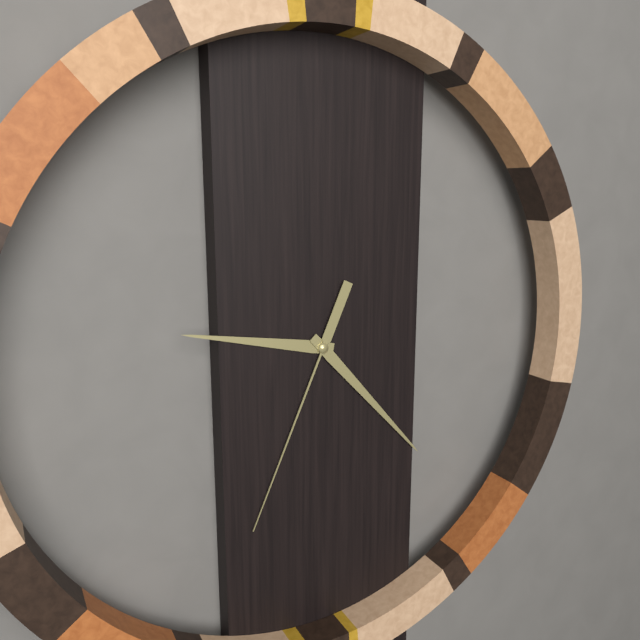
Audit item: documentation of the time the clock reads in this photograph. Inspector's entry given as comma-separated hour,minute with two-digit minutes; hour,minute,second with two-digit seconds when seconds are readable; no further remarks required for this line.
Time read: 9,23,34
